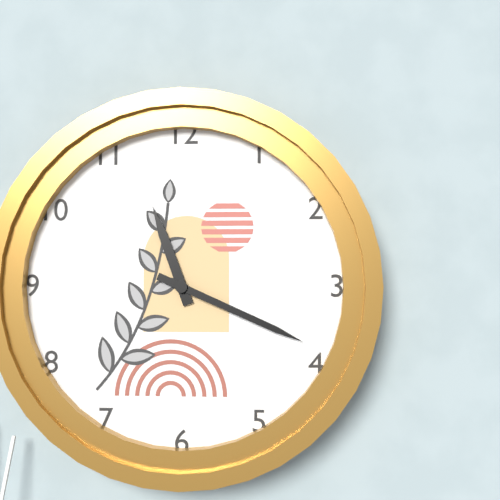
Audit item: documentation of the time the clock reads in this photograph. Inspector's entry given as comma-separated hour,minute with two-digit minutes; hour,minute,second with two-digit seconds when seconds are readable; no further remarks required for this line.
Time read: 11,19
